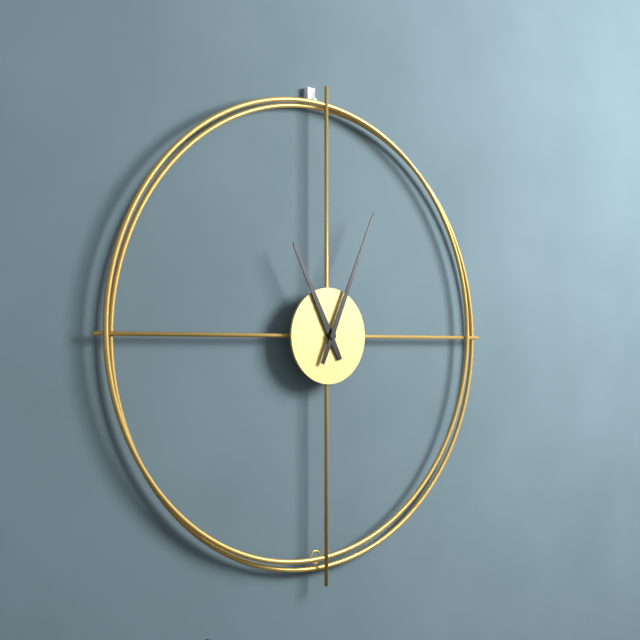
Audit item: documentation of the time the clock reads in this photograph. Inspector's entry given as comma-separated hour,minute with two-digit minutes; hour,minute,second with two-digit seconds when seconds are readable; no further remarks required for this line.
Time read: 11,04
